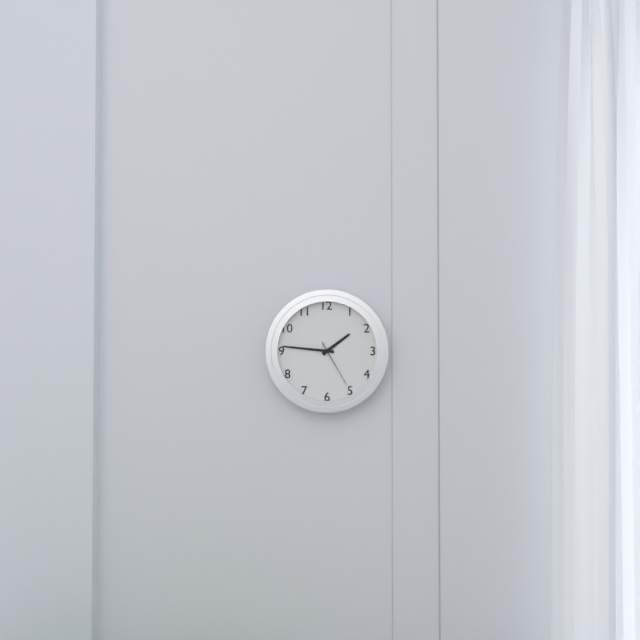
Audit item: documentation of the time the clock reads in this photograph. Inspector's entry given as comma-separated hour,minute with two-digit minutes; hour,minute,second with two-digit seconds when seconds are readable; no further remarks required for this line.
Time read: 1,46
